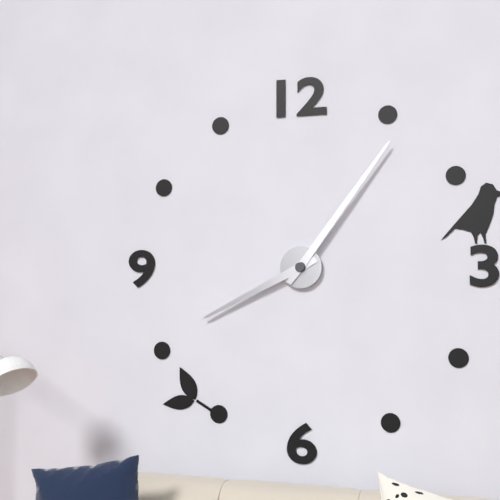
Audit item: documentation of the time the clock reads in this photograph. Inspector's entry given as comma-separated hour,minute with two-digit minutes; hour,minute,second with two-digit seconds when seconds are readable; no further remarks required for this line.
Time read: 8,06
